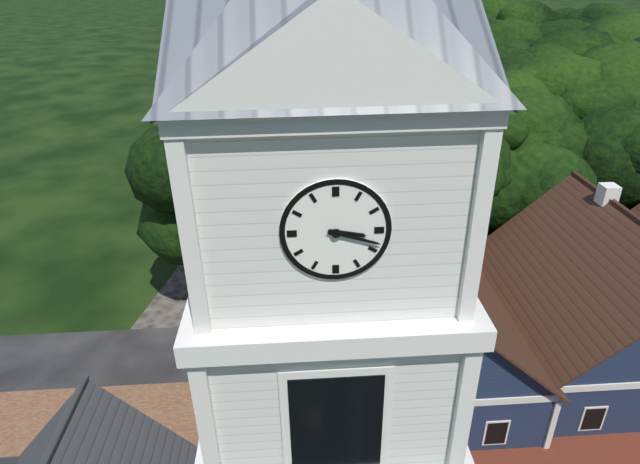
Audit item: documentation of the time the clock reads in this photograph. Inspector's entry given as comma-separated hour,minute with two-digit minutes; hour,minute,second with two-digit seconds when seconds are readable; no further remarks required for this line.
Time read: 3,18
